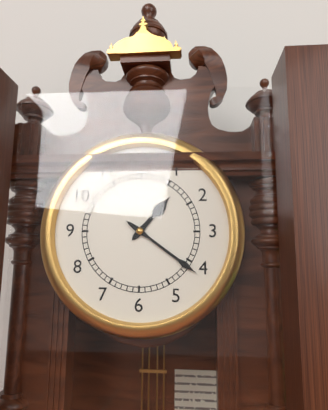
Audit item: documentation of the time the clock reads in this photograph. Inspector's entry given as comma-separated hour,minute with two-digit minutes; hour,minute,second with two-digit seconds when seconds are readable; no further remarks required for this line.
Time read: 1,21
